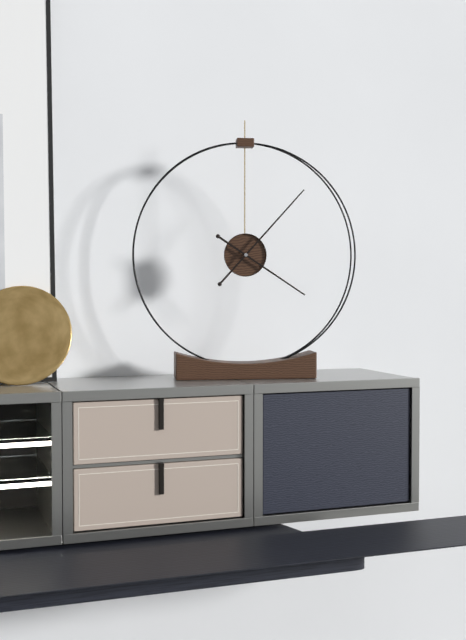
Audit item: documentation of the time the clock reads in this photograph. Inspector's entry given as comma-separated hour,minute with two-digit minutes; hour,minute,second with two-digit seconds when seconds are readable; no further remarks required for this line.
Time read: 4,07
